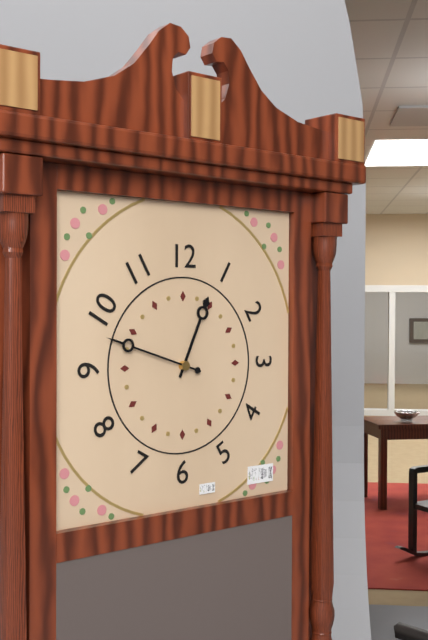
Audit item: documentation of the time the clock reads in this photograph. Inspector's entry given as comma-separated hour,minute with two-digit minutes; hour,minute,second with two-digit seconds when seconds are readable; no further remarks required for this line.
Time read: 12,48
